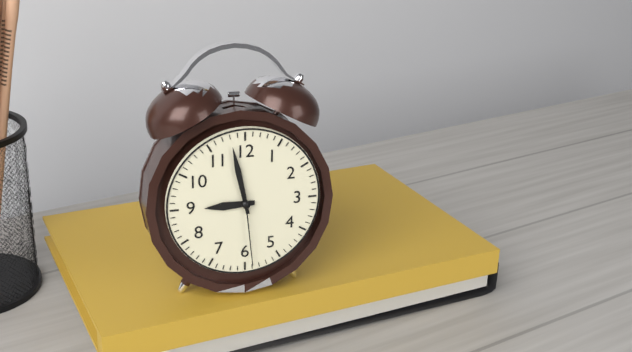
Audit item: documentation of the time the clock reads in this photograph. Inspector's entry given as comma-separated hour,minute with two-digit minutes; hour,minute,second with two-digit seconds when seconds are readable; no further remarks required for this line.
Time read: 8,58,29
